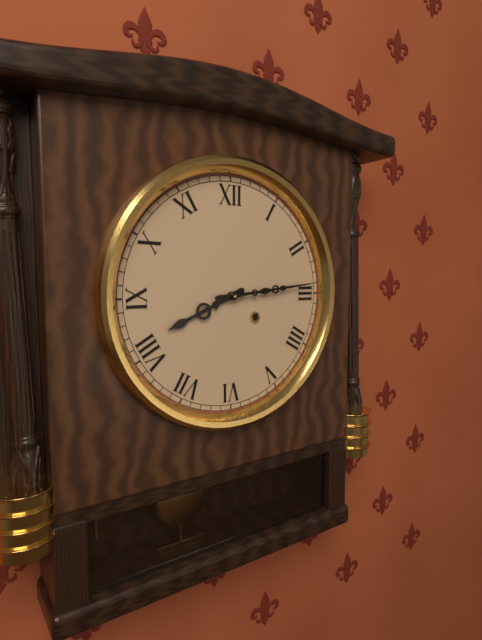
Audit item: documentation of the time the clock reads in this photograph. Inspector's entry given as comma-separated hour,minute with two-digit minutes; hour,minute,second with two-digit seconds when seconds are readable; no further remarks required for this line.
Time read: 8,14
